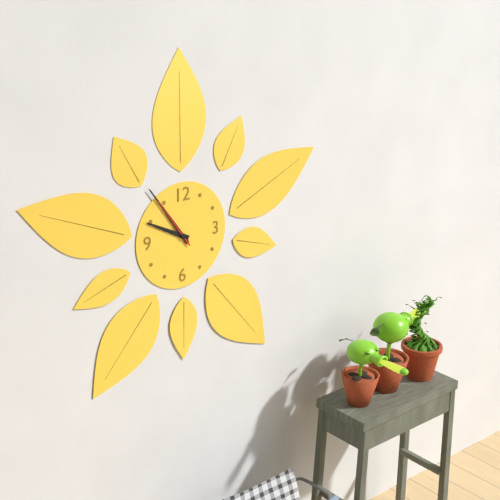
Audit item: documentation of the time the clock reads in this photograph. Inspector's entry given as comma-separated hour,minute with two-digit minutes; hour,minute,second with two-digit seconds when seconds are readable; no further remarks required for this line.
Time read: 9,54,54
